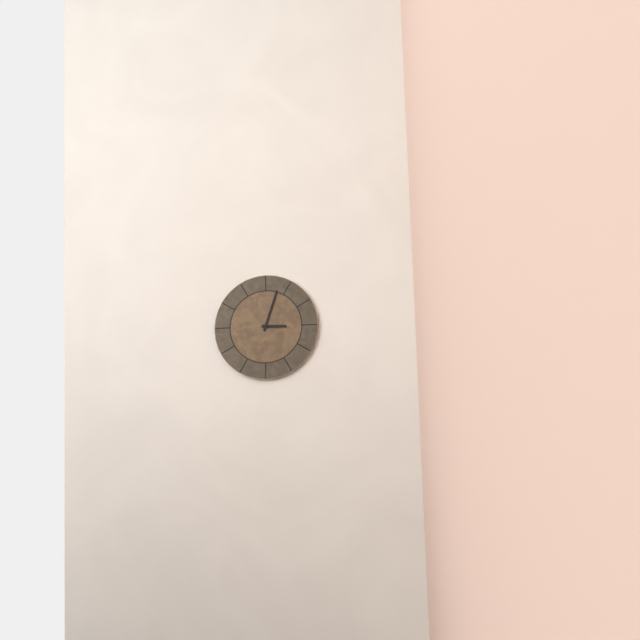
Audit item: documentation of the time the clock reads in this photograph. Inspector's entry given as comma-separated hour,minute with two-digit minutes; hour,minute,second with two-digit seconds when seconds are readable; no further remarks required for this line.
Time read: 3,03
